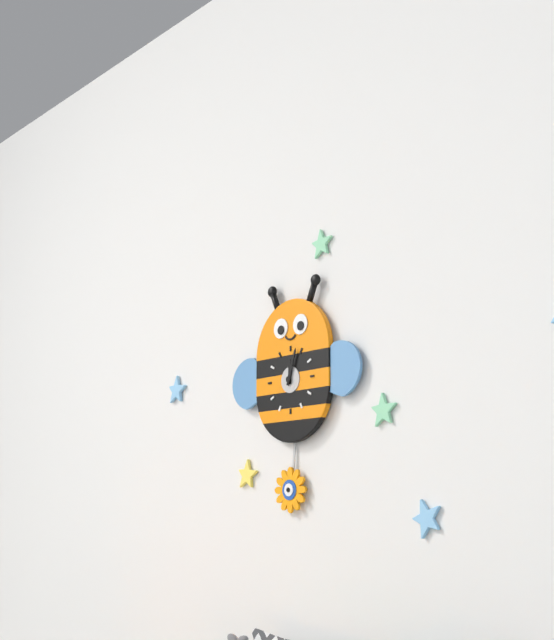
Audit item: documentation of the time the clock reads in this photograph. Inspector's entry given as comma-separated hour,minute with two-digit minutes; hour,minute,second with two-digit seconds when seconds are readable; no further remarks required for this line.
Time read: 12,03
